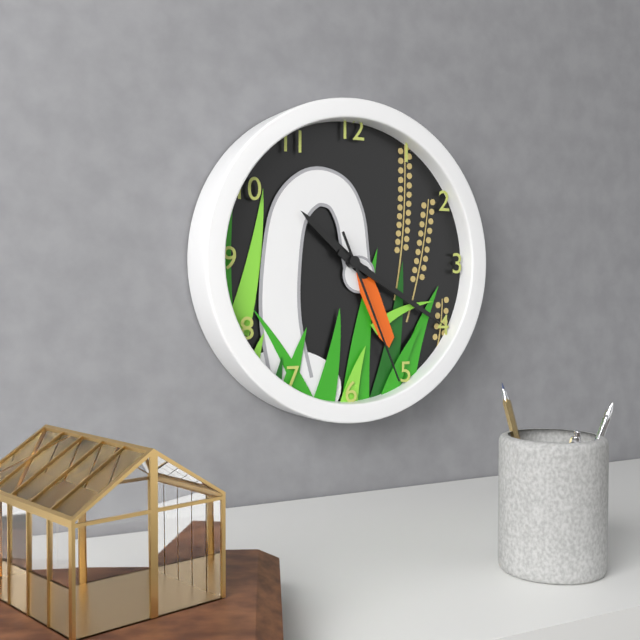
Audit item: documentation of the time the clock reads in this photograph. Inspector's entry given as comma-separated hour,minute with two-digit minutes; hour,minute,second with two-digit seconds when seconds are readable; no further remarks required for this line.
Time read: 10,20,26
